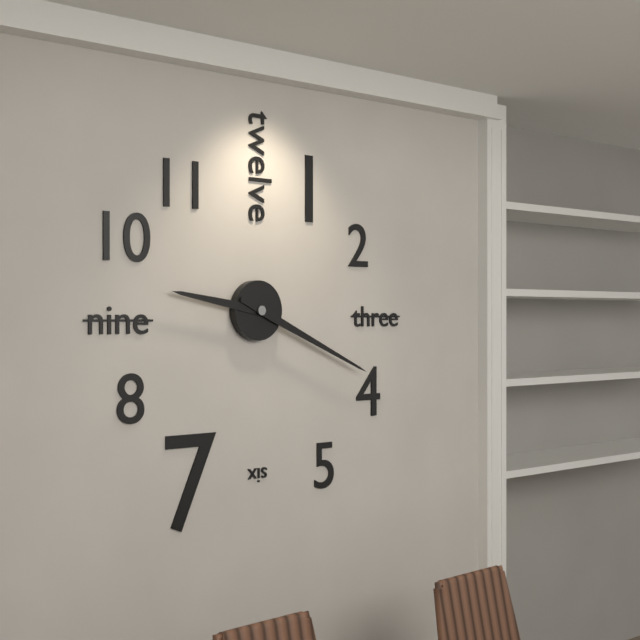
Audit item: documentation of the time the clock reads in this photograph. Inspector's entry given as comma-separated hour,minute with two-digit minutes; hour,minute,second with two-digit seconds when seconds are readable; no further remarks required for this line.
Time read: 9,19
